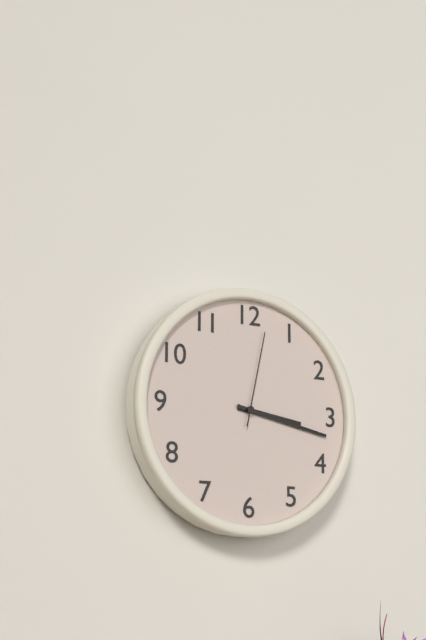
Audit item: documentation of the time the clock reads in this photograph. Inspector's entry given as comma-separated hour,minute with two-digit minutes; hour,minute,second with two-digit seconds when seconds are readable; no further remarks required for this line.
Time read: 3,17,02
